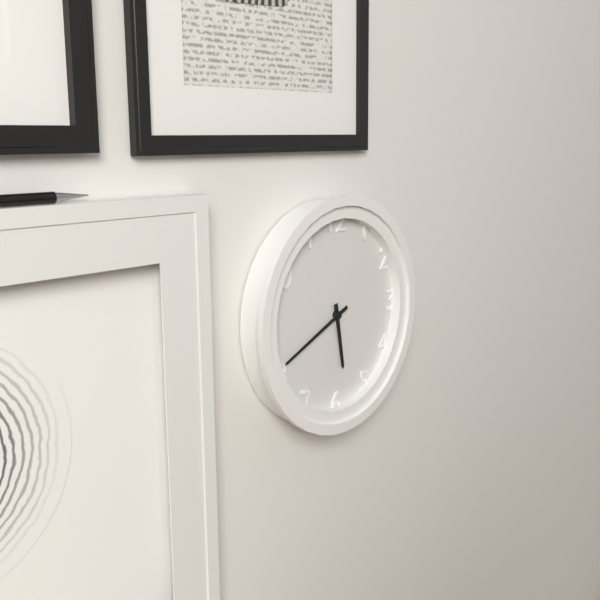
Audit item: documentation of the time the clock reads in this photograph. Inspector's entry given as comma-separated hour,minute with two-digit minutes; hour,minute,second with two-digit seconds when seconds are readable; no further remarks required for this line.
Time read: 5,41
